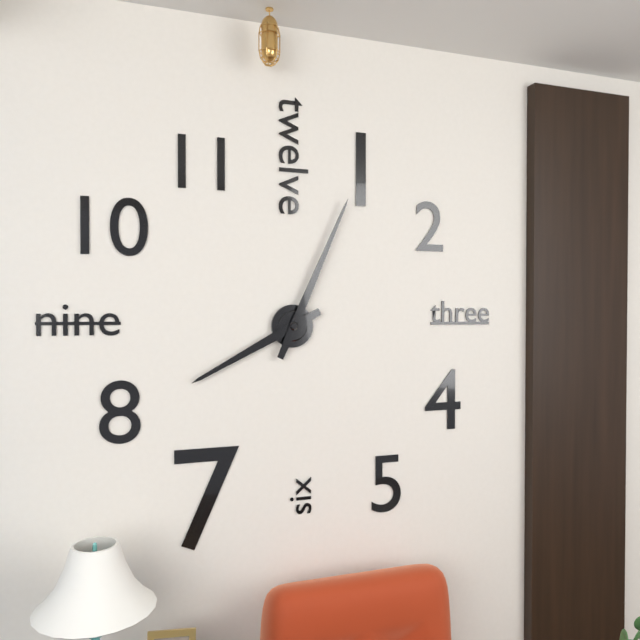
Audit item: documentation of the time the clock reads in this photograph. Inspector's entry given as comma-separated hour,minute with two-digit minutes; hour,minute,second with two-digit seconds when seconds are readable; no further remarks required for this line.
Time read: 8,04
